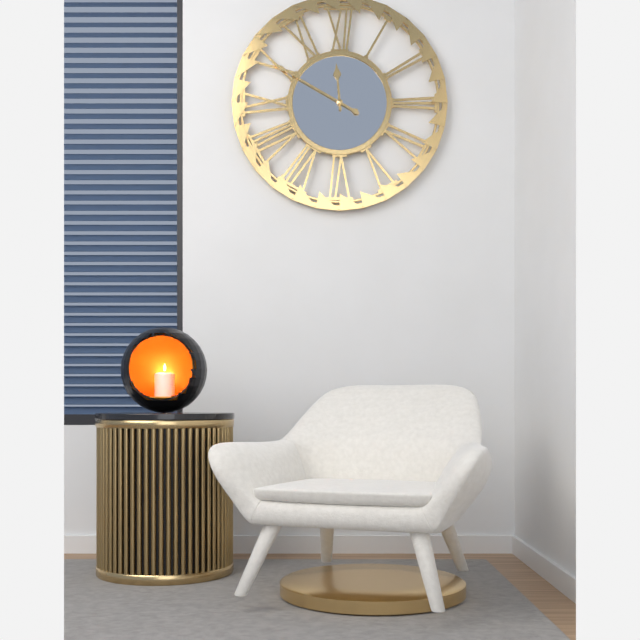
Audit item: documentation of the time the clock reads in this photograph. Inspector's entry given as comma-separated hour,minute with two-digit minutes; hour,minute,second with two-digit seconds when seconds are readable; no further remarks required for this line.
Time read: 11,50
